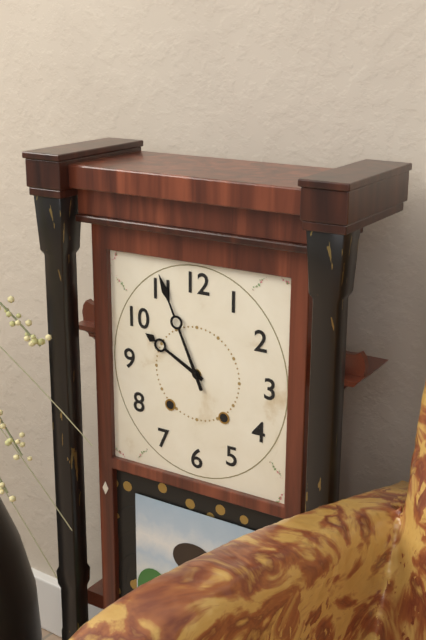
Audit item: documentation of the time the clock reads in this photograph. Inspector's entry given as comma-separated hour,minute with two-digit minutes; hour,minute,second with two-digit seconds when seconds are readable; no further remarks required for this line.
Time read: 9,56
